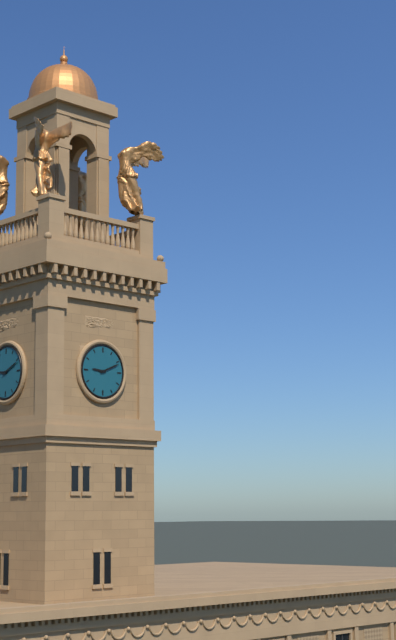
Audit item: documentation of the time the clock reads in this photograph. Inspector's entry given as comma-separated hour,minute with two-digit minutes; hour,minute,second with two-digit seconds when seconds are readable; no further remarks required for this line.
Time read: 9,11
